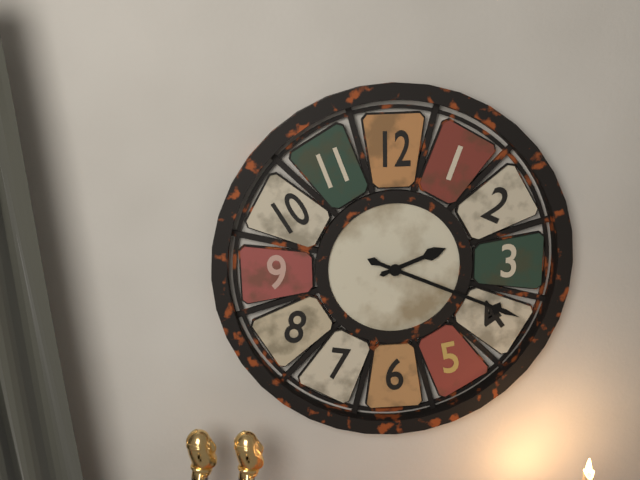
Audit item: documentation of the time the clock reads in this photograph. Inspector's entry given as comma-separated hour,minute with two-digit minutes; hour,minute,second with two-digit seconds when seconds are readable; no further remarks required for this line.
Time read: 2,19
